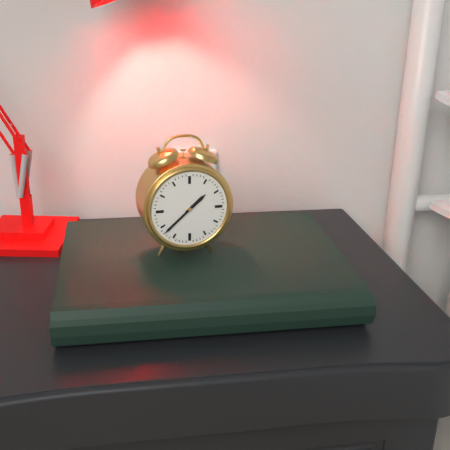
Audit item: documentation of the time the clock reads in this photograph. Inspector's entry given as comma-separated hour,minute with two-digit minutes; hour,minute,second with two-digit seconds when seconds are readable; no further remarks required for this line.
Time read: 1,38
